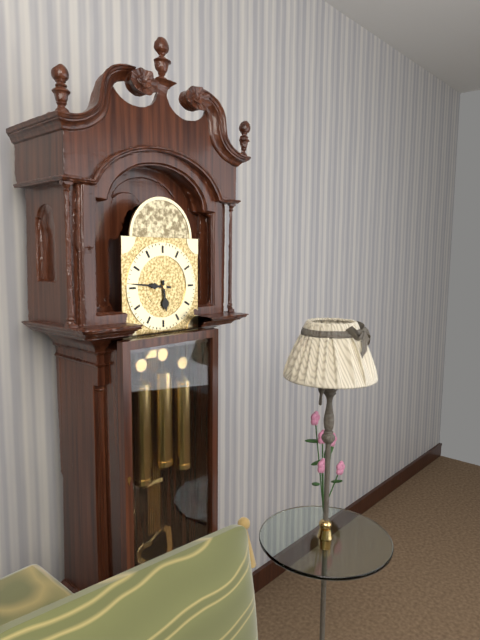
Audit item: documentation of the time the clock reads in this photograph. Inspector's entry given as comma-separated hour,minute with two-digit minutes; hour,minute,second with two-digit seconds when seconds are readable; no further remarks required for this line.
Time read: 5,46
